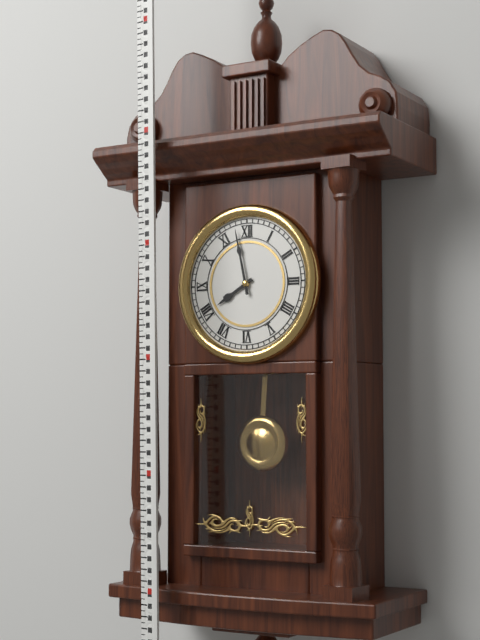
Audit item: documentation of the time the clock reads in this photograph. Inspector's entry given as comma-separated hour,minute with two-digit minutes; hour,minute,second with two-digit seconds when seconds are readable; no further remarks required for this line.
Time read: 7,58
